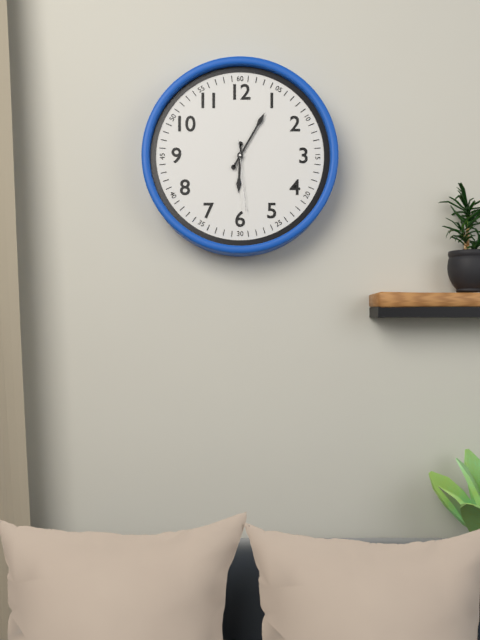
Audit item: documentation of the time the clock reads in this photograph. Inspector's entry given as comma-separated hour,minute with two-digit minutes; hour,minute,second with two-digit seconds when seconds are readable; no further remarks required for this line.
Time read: 6,05,29
